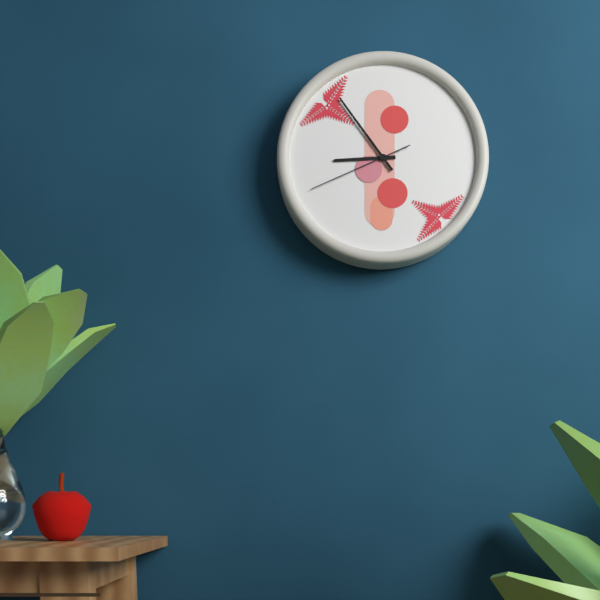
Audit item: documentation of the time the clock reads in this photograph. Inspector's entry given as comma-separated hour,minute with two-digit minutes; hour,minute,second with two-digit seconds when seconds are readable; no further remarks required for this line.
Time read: 8,54,41
